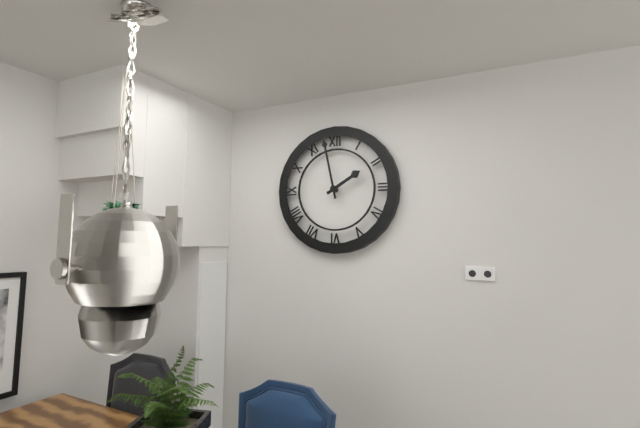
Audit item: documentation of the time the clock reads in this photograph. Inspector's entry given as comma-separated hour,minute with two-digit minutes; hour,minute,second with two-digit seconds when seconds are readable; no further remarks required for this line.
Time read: 1,58
